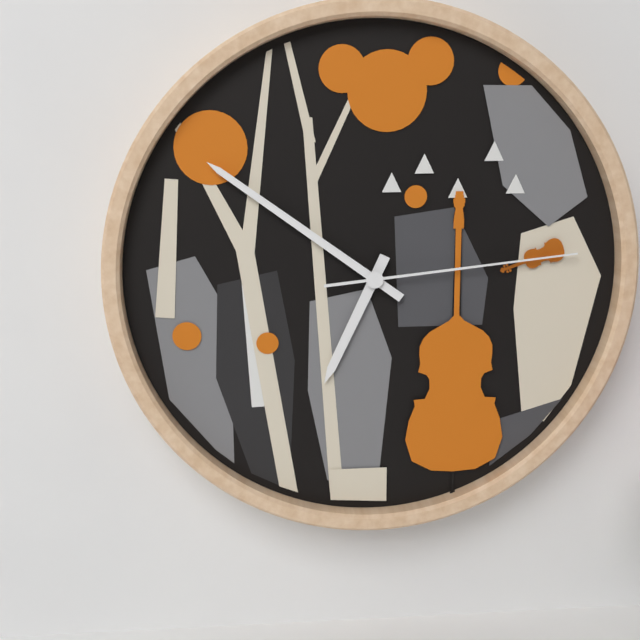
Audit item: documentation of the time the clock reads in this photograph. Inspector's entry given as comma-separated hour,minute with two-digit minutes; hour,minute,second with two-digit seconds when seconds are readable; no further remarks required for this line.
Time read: 6,51,14
